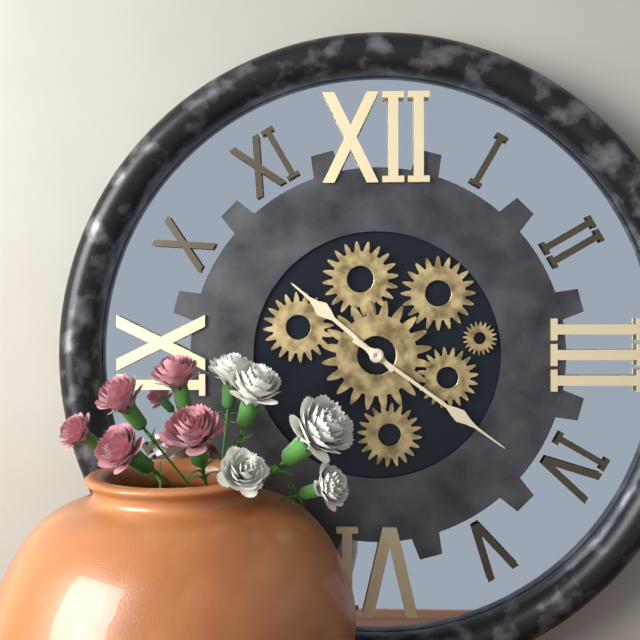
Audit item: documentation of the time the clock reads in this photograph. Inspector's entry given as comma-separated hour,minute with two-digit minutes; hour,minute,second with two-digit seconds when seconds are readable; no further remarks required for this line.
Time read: 10,21
